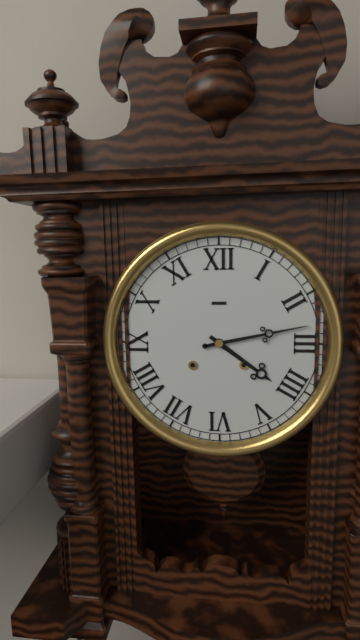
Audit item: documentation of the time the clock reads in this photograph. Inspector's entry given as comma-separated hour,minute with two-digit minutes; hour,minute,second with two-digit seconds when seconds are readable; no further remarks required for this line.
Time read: 4,13
